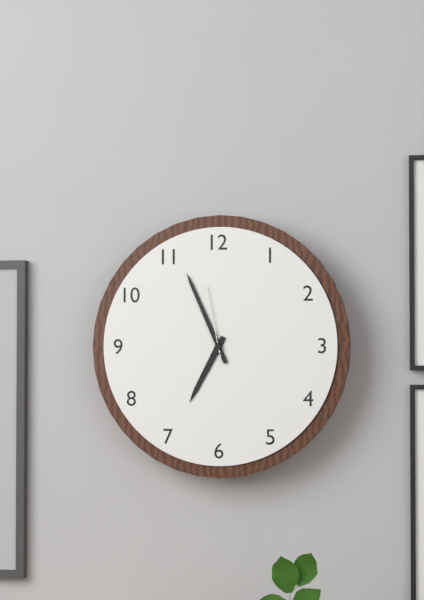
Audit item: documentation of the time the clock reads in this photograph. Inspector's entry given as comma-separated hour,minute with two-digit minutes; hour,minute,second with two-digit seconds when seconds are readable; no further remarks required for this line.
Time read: 6,56,58
